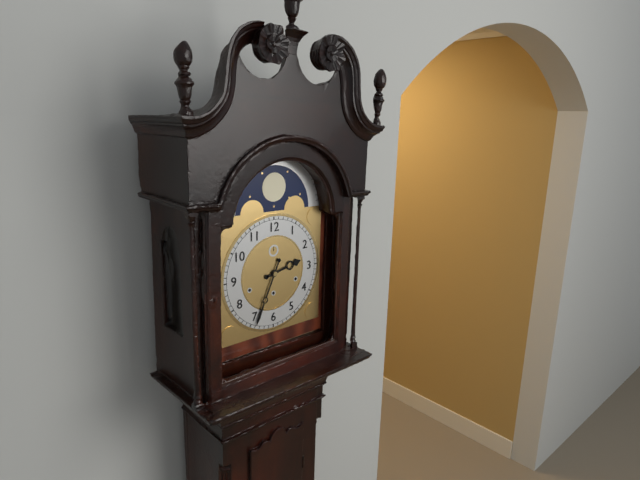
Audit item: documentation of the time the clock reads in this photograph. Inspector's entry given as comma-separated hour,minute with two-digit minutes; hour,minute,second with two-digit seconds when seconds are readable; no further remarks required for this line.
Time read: 2,34
